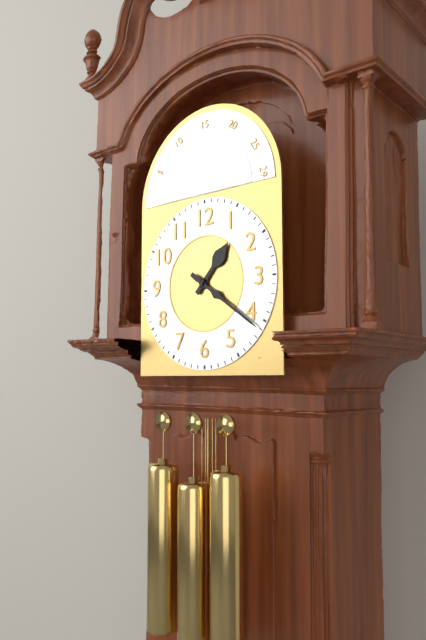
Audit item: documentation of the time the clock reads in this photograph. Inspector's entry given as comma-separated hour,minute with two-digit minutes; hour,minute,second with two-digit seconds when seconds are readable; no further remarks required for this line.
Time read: 1,21
